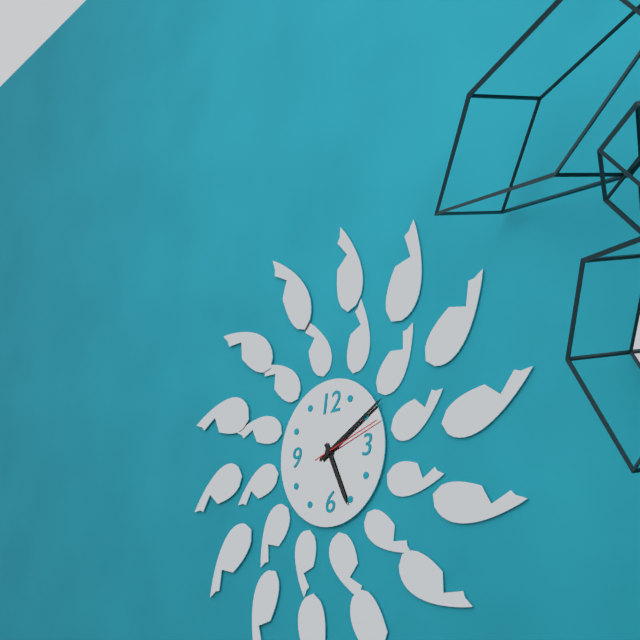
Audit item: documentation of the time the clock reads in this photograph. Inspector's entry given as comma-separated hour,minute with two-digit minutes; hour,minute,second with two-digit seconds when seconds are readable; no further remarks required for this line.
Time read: 5,10,12
